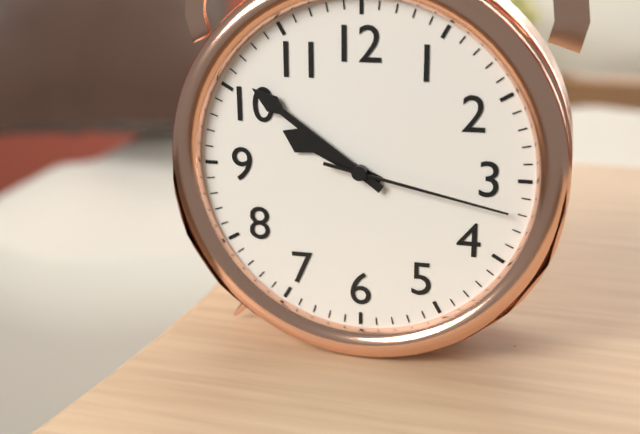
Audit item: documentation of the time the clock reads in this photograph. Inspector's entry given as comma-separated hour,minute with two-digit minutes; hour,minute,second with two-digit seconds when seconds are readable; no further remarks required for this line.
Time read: 9,51,17
